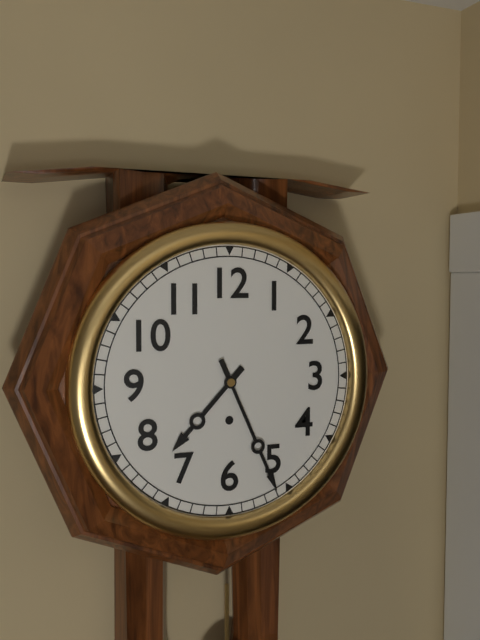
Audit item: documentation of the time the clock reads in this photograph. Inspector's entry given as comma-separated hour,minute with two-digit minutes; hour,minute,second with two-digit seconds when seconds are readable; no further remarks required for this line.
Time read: 7,26
